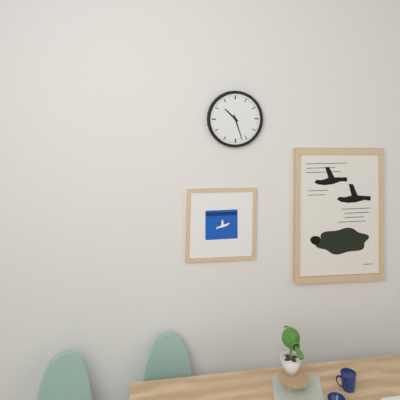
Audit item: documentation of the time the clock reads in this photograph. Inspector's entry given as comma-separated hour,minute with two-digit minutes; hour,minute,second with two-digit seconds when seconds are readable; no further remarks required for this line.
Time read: 10,27
